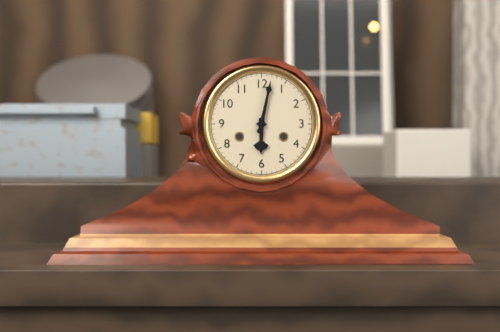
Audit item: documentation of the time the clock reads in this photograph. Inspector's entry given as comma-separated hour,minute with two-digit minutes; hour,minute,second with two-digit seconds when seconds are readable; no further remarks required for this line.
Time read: 6,02
